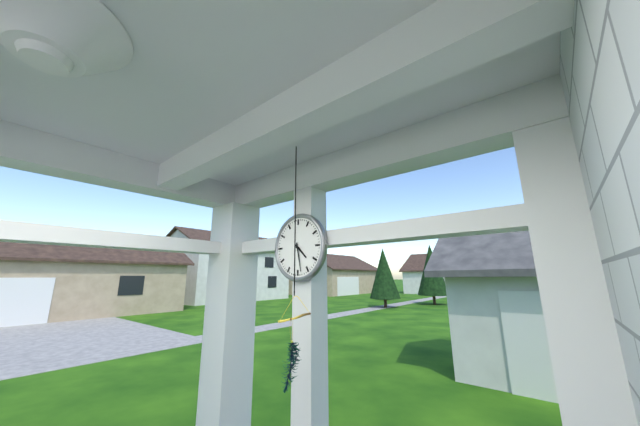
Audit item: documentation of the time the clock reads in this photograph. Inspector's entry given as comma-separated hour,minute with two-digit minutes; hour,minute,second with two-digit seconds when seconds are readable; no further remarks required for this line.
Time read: 4,28
